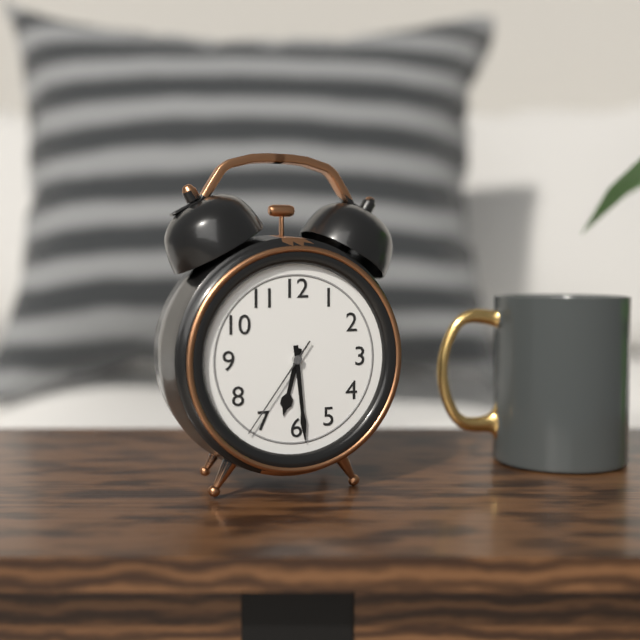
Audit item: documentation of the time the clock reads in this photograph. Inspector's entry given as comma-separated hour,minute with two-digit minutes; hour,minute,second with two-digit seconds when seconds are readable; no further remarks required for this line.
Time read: 6,29,36
